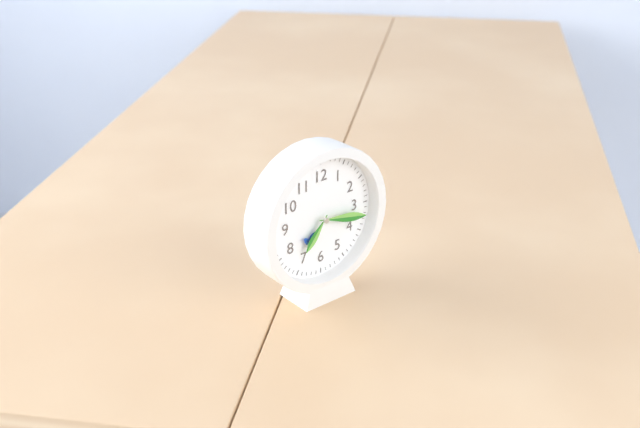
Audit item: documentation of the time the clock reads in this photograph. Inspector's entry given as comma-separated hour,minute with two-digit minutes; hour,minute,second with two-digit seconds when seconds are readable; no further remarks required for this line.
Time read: 7,17
